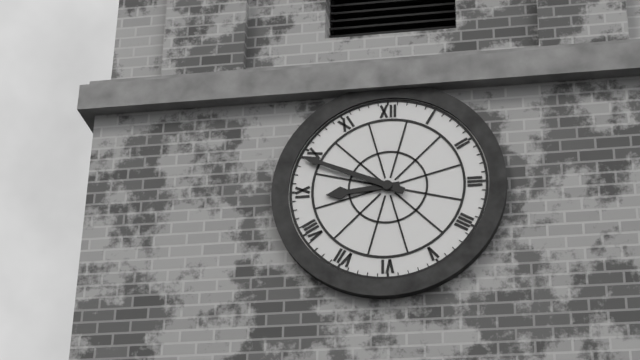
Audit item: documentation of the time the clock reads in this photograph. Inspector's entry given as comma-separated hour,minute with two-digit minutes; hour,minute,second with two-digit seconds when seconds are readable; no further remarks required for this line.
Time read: 8,49
